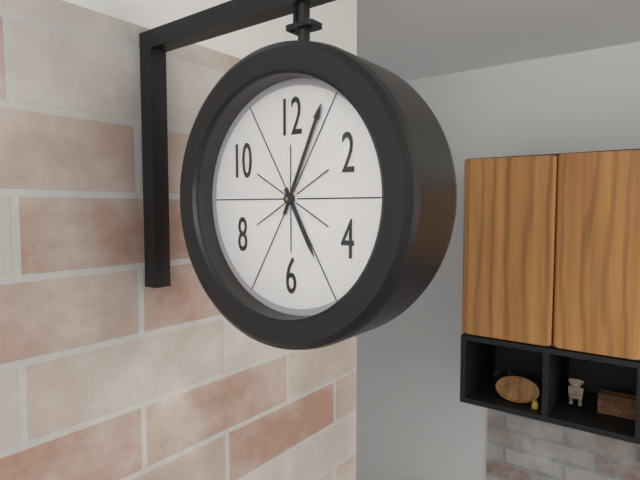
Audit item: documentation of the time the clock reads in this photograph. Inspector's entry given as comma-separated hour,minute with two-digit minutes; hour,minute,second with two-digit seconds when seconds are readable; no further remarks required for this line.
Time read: 5,04
